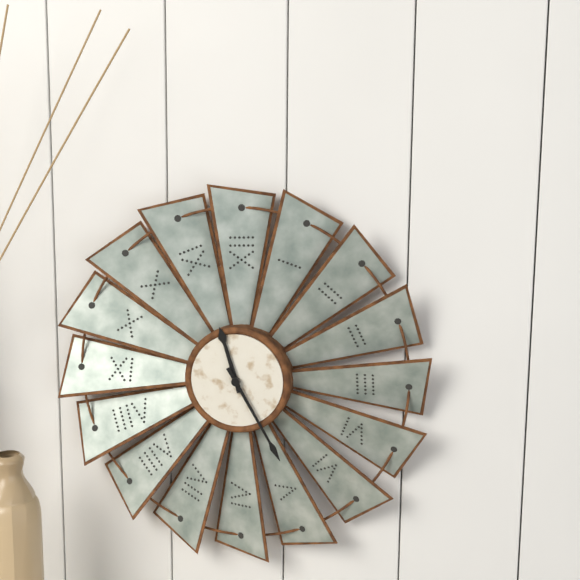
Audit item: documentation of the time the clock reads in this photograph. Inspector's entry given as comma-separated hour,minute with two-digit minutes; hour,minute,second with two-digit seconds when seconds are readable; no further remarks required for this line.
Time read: 11,25
